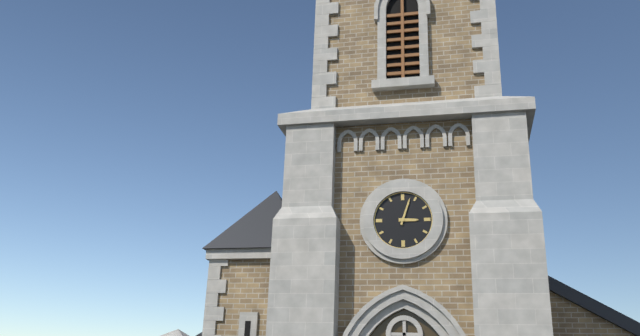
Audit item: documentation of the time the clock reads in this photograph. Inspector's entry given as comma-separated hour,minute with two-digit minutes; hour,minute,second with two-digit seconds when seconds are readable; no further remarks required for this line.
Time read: 3,03
